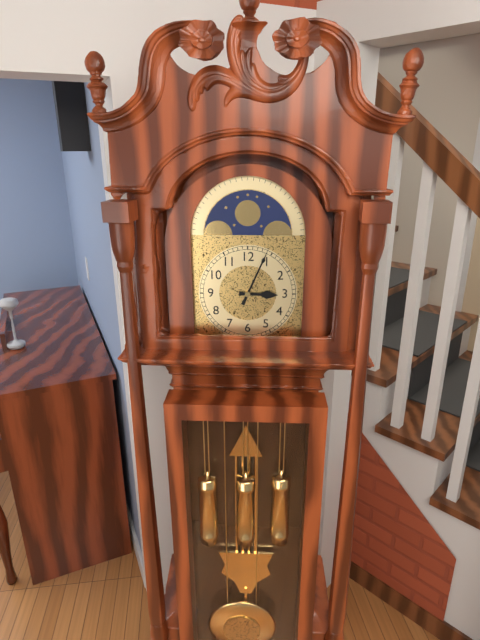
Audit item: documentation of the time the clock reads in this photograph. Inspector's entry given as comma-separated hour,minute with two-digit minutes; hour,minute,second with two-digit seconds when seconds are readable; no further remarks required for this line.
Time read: 3,04
